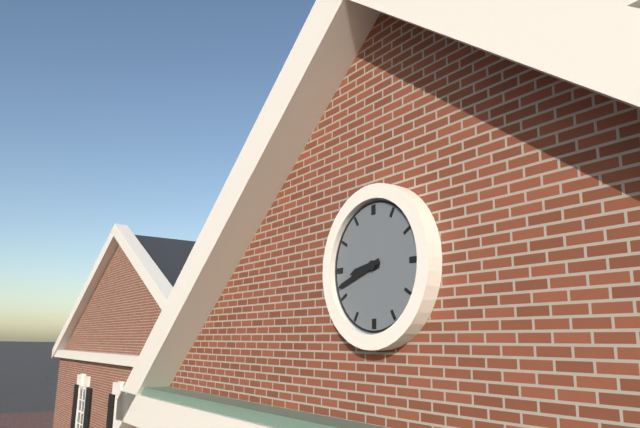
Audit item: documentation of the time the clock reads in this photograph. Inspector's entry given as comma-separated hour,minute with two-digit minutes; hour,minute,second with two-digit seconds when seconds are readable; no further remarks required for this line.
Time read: 8,42
